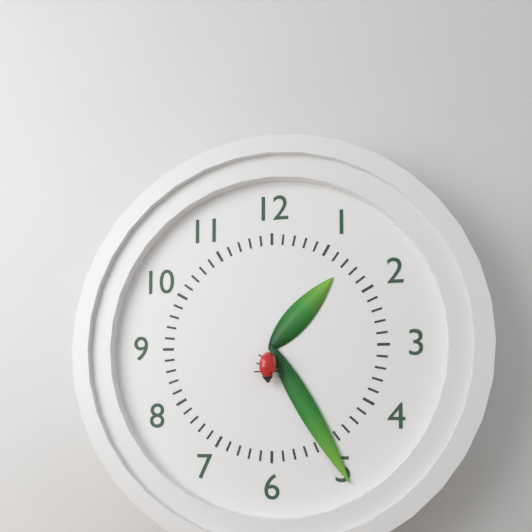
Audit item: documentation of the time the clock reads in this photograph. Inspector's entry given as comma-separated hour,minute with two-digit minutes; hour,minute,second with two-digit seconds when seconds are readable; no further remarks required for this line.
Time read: 1,25
